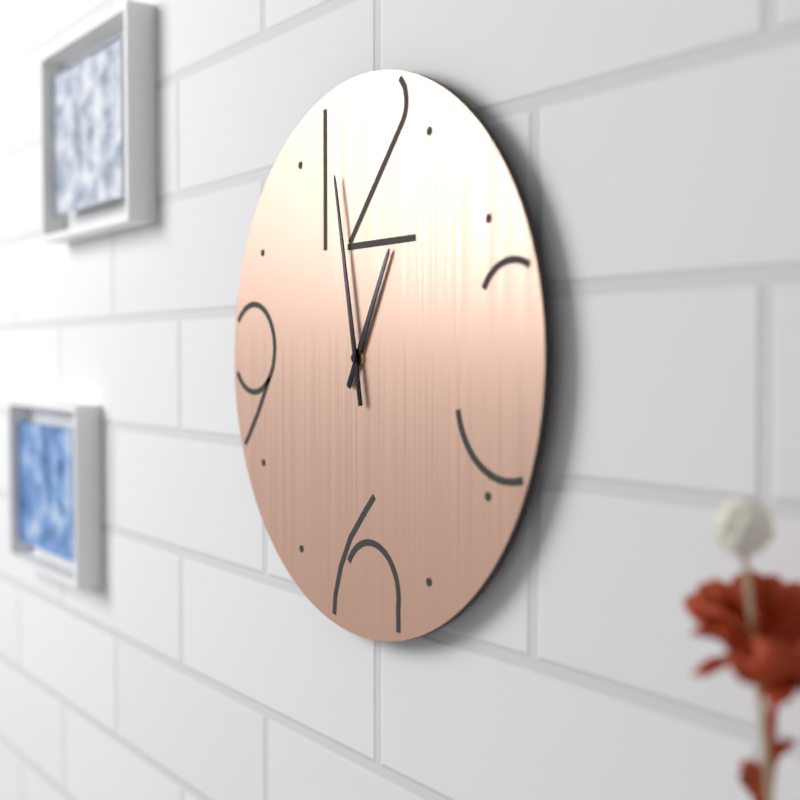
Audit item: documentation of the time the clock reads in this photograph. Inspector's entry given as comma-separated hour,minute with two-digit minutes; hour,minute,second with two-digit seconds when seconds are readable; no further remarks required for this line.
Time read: 12,58
